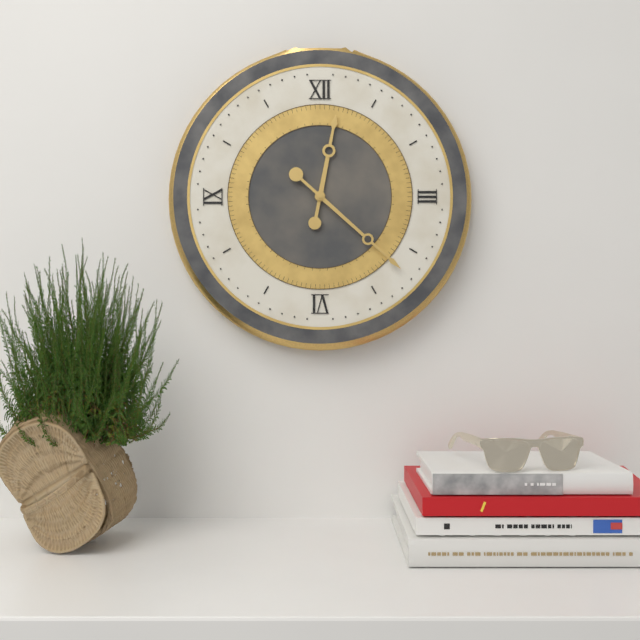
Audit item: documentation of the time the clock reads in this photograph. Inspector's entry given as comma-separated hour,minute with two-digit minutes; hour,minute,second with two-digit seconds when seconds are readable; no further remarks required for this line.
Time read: 12,22
